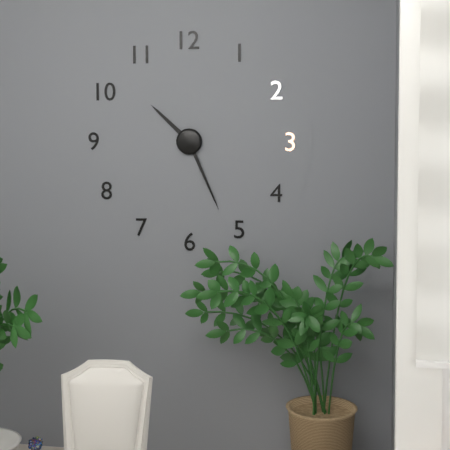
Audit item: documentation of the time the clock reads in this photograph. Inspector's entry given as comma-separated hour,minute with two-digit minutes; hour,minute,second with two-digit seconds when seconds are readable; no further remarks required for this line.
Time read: 10,26
